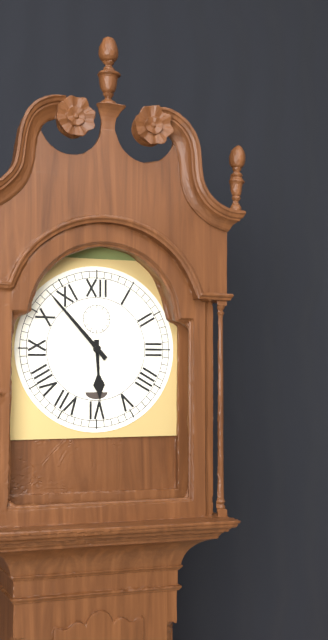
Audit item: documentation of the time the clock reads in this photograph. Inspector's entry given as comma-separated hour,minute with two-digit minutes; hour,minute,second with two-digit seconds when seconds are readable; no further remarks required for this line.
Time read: 5,53
